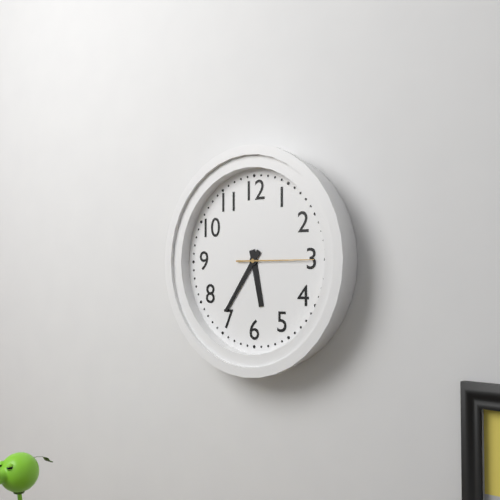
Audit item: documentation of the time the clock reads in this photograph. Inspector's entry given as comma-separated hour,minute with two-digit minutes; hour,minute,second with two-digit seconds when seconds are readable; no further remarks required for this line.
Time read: 5,36,15
